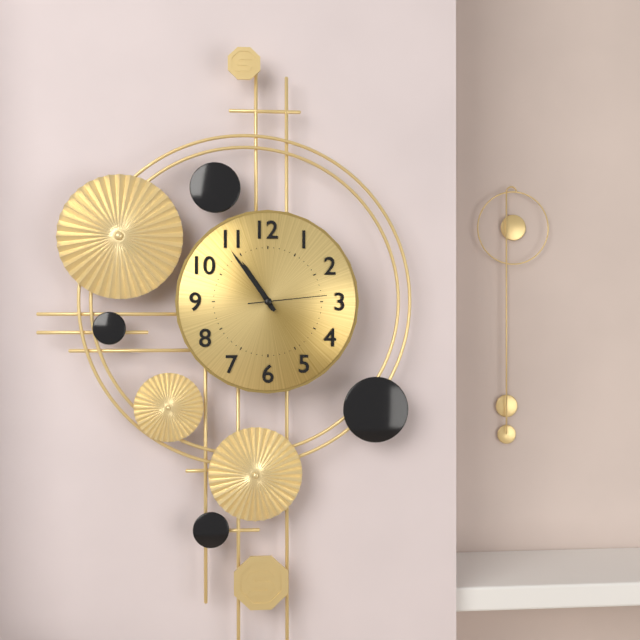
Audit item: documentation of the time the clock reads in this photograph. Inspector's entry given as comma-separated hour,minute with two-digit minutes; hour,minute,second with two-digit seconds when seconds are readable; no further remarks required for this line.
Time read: 10,54,14
